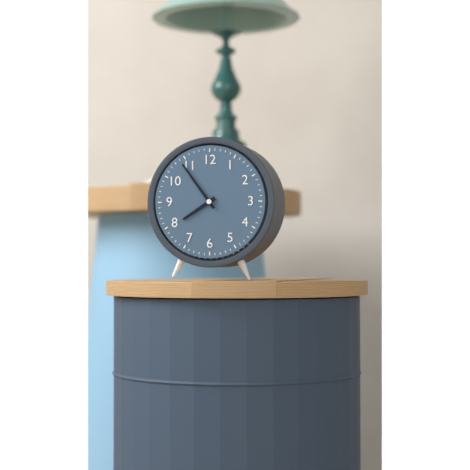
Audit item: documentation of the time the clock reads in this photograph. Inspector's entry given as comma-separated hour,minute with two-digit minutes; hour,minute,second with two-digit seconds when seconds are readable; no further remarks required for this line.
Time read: 7,54
